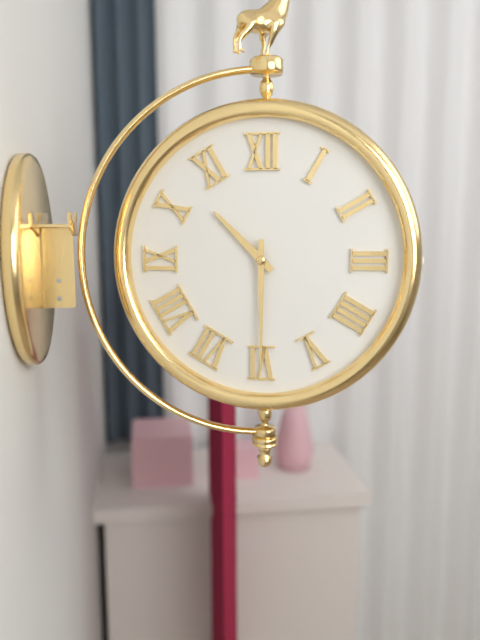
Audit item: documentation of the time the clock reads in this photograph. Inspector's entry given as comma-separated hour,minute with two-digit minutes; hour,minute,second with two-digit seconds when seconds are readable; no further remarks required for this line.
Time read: 10,30
